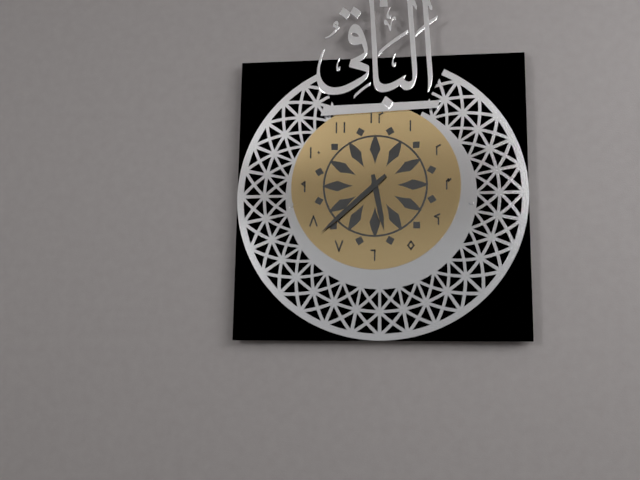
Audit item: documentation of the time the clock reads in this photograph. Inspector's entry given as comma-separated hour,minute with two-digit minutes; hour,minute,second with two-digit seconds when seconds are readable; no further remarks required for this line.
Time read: 5,38
